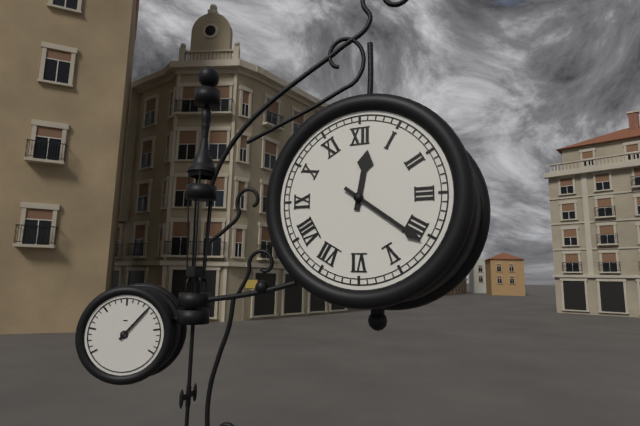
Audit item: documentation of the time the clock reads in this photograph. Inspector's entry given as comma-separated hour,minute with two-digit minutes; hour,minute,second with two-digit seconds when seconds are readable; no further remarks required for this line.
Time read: 12,21
